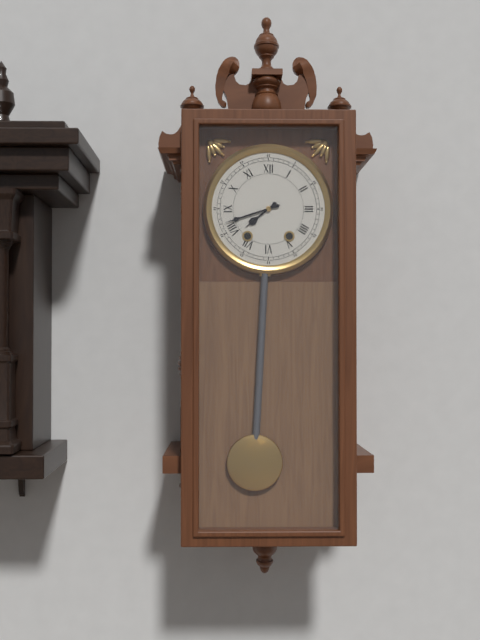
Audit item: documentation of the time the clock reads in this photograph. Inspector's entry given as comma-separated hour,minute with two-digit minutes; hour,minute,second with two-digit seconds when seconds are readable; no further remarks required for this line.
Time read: 7,42
